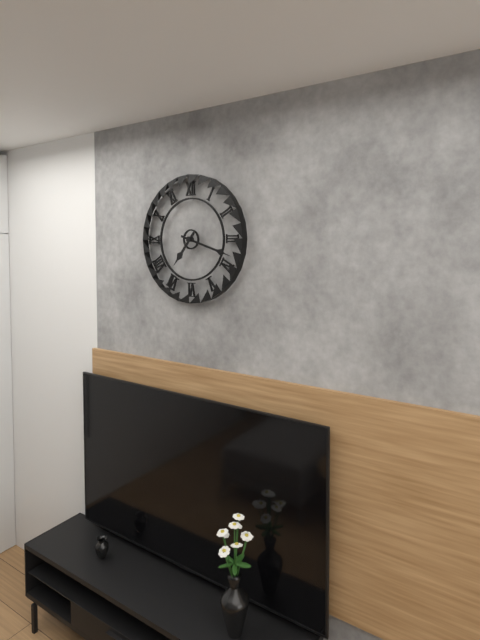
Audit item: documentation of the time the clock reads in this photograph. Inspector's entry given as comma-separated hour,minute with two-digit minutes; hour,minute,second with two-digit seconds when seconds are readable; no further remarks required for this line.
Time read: 7,18
